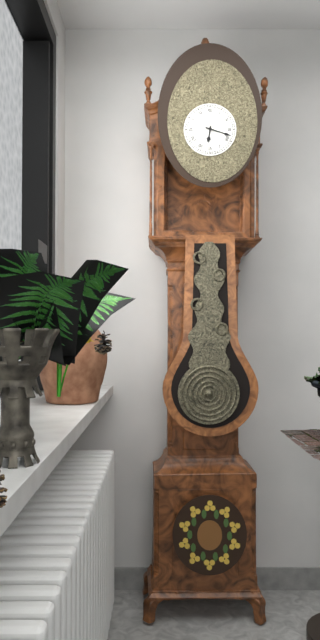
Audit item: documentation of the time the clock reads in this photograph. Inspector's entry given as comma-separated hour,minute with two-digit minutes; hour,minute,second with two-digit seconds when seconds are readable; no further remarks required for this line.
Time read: 6,18
